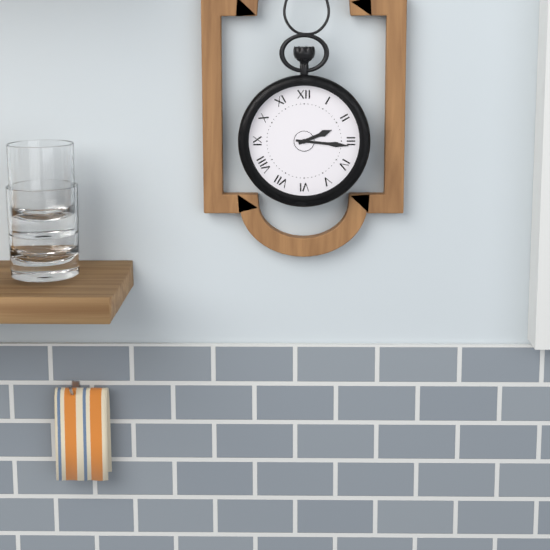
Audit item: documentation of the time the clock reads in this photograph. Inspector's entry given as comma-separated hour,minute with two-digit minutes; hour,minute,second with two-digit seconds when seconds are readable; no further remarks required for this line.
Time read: 2,16
